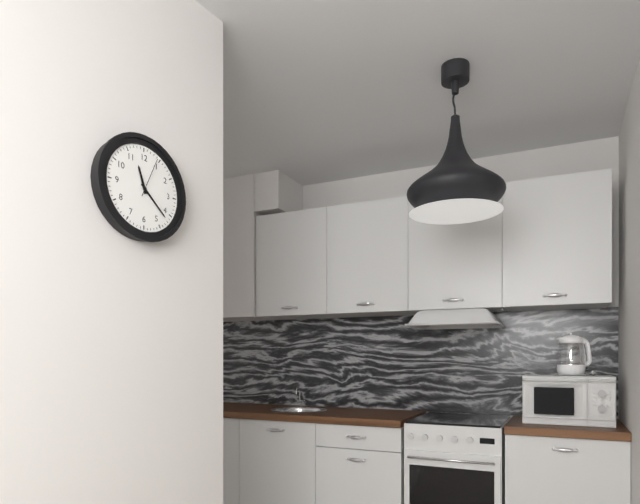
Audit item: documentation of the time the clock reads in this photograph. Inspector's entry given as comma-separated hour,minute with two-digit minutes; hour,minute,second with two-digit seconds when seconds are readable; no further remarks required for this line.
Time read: 11,22
